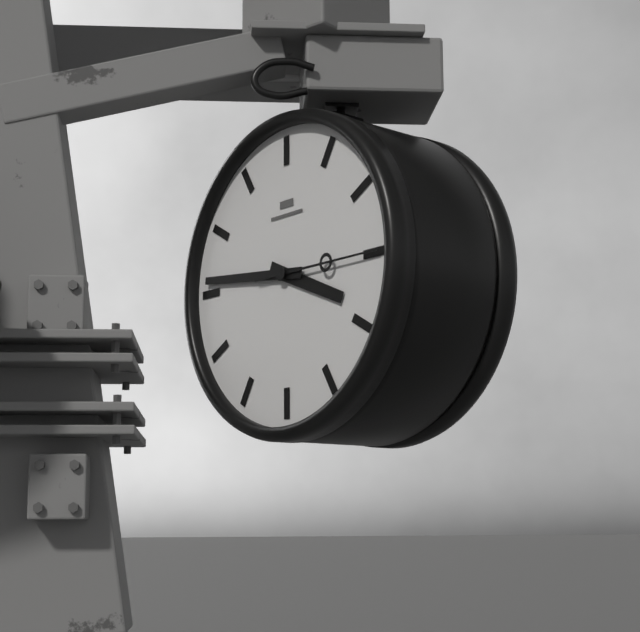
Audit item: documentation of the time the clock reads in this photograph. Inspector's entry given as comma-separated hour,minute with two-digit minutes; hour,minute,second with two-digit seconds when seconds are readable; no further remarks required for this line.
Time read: 3,46,15
